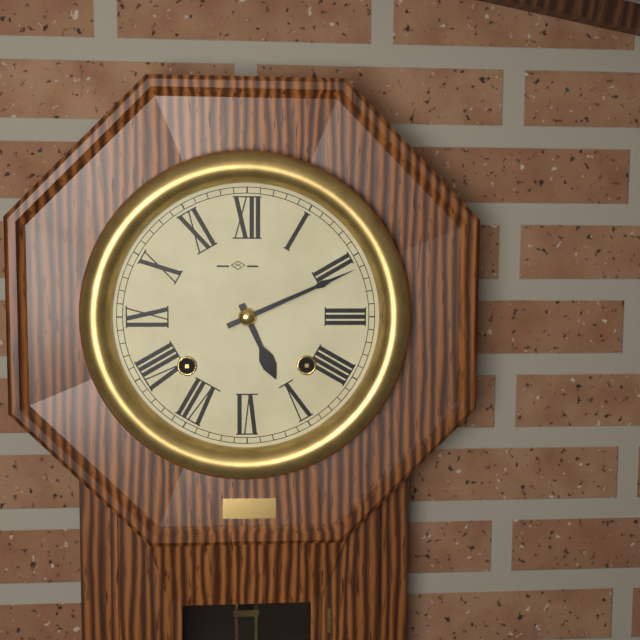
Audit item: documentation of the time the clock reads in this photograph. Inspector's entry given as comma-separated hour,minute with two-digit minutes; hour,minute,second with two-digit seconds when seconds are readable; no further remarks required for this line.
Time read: 5,11
